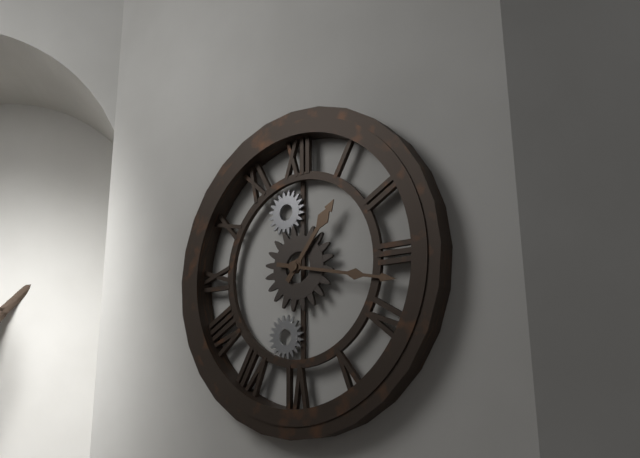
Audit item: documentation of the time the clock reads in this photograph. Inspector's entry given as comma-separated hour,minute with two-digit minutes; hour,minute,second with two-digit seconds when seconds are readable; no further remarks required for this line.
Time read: 1,17
